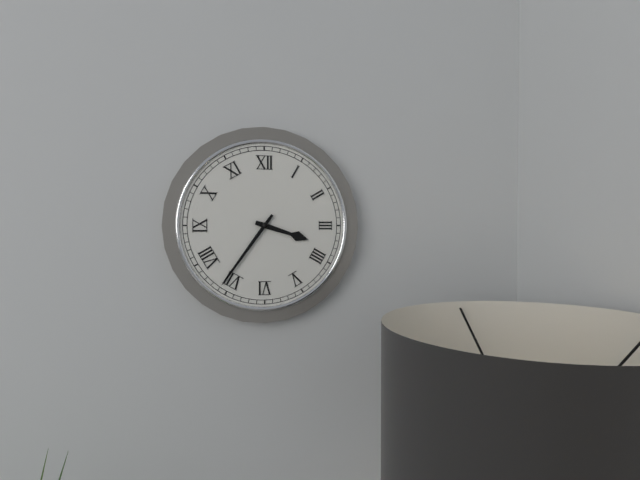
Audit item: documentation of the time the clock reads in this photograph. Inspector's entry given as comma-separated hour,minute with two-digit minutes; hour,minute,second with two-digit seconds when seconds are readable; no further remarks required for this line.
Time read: 3,36
